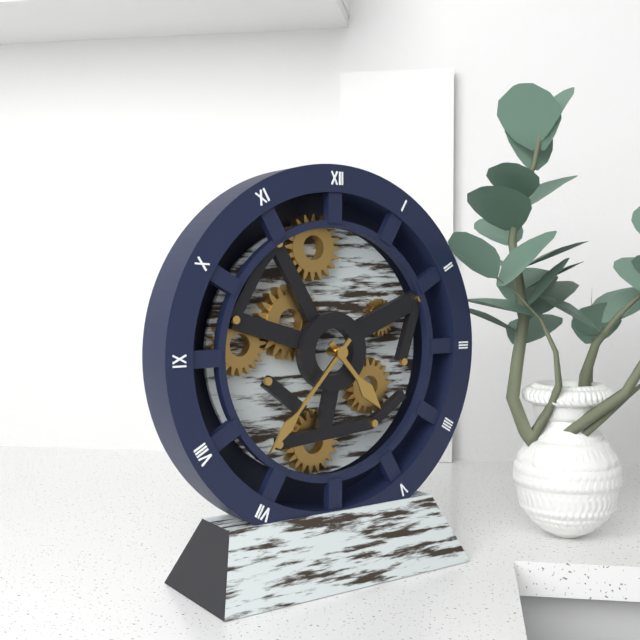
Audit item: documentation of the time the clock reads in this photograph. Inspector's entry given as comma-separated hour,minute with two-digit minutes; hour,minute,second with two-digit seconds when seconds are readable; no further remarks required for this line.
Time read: 4,37
